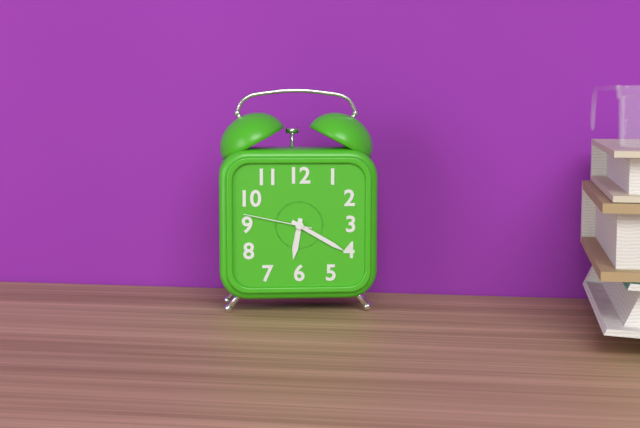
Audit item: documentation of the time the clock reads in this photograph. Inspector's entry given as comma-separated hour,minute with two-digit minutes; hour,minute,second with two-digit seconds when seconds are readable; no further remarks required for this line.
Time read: 6,20,47
